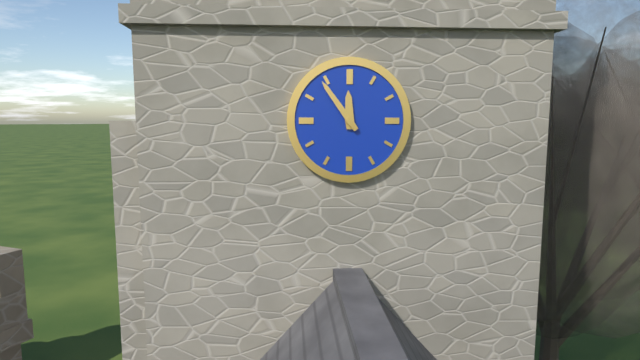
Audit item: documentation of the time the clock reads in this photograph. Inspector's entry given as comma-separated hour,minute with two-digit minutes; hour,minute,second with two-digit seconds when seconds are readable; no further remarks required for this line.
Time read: 11,54
